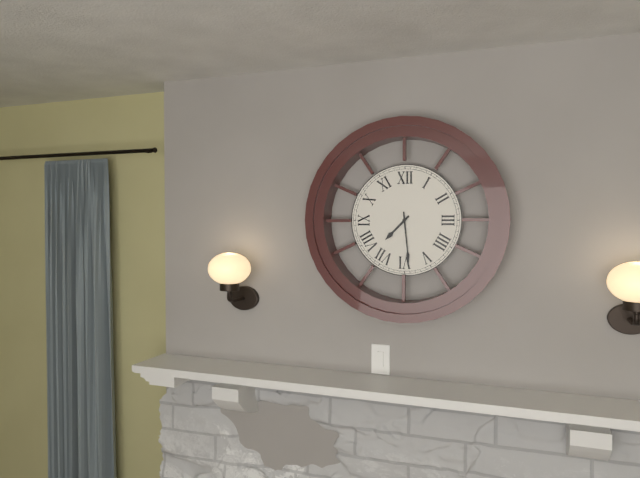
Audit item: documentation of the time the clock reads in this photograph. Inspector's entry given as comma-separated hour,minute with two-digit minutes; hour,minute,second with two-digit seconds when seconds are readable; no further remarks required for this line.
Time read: 7,29
